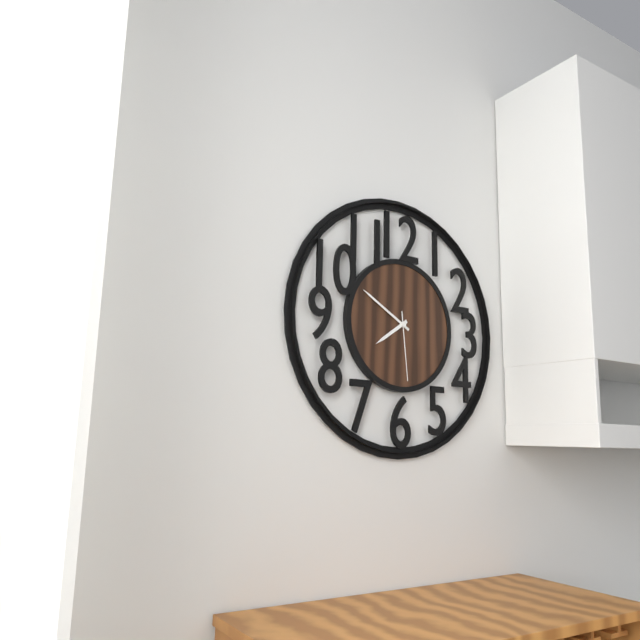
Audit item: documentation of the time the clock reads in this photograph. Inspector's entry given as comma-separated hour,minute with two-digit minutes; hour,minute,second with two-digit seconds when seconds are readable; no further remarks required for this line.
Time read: 7,50,29
